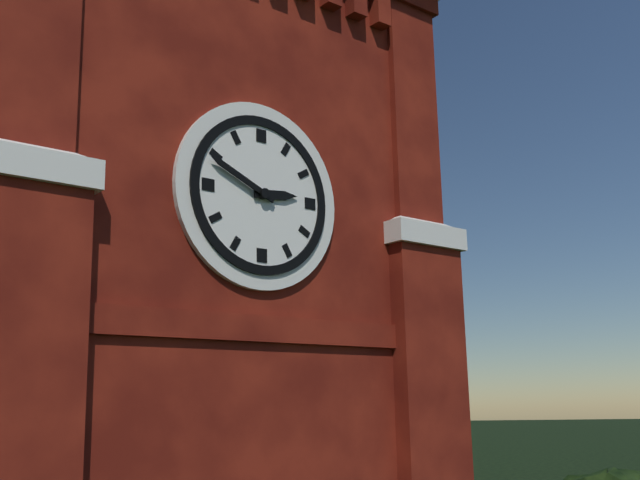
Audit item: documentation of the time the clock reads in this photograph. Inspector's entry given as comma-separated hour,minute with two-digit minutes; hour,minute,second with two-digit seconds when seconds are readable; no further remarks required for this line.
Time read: 2,49
